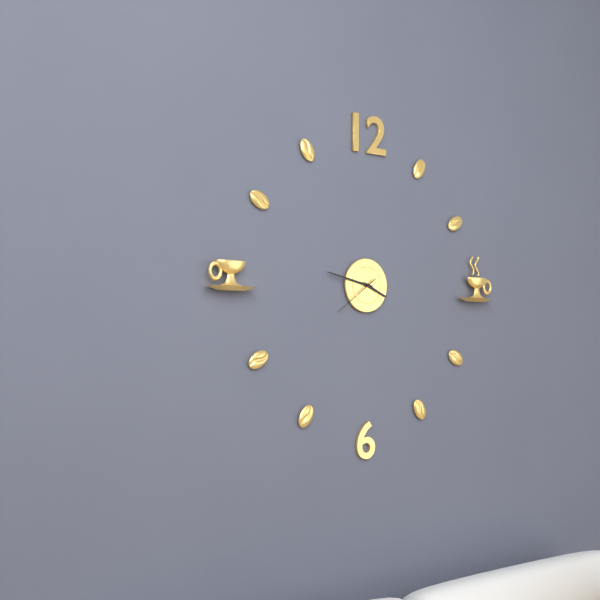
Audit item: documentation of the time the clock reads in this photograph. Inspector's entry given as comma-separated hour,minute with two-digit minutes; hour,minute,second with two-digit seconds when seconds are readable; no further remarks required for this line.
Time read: 3,47,39
